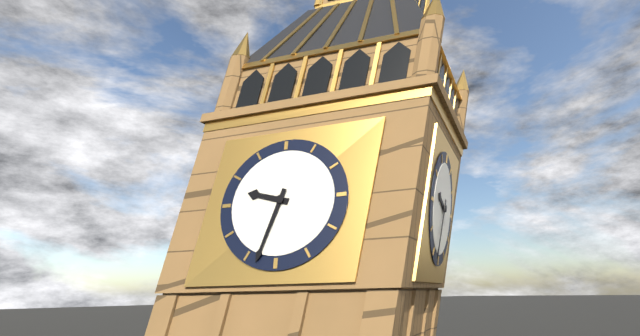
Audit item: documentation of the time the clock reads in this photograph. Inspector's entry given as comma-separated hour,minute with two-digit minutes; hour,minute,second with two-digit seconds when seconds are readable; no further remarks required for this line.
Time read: 9,33
